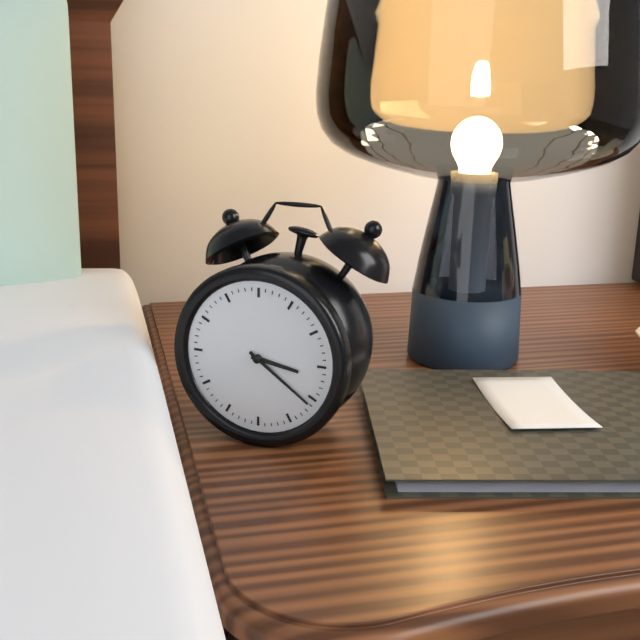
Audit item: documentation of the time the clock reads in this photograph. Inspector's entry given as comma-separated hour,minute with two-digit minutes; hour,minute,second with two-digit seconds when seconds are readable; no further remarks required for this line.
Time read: 3,21
